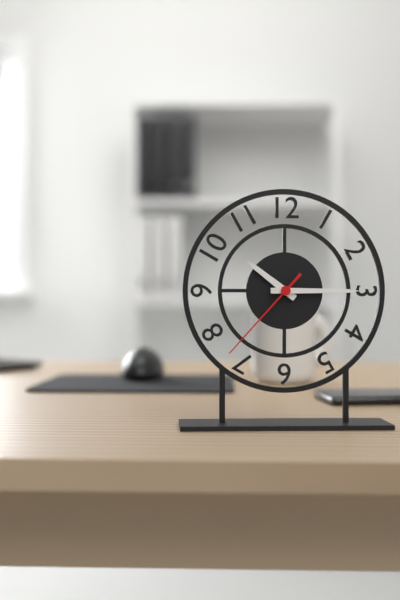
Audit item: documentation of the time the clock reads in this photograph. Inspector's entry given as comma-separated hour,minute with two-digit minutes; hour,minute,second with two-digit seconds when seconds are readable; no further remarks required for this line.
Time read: 10,15,37
